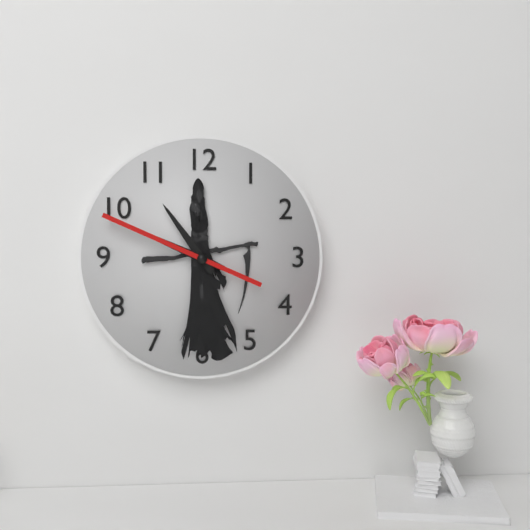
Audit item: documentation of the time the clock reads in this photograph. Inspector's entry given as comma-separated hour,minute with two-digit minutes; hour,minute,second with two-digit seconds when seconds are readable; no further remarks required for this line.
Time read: 10,49,49
